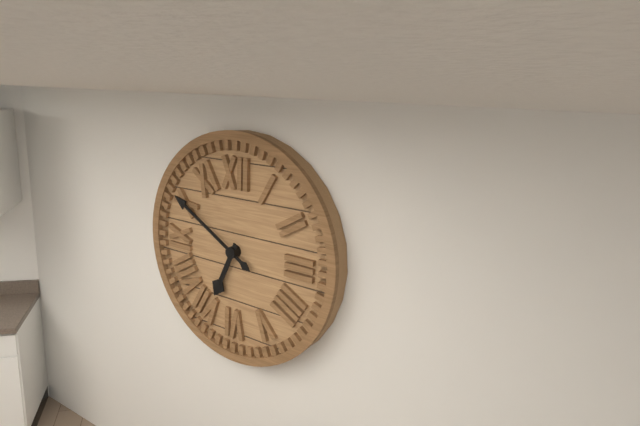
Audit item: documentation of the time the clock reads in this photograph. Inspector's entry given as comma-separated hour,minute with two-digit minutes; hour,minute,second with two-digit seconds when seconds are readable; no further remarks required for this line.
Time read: 6,50
